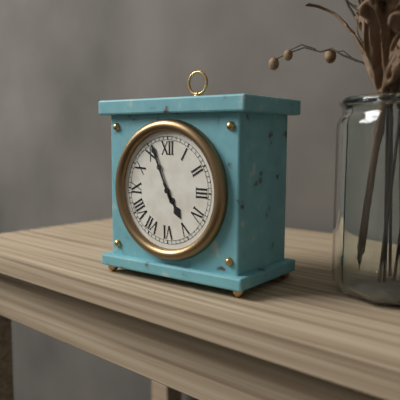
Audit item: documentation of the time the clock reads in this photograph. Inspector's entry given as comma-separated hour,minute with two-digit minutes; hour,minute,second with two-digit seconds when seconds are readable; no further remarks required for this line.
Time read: 4,56
